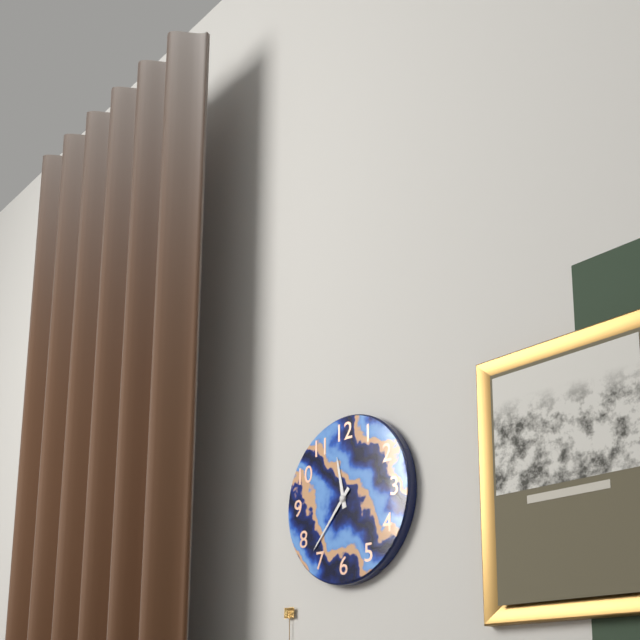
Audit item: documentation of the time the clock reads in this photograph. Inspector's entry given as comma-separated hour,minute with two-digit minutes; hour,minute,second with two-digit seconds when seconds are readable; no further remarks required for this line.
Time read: 11,37
